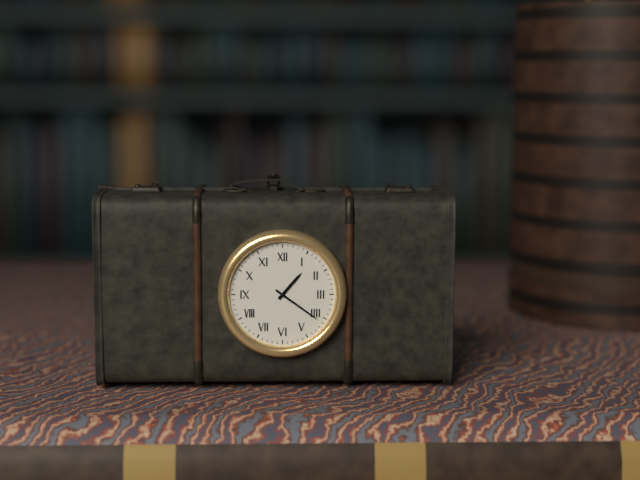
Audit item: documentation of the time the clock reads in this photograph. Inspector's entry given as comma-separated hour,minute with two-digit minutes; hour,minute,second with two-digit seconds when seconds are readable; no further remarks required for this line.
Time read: 1,21
